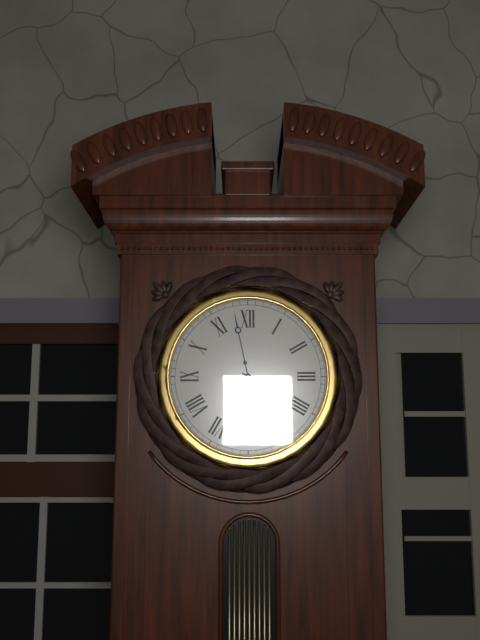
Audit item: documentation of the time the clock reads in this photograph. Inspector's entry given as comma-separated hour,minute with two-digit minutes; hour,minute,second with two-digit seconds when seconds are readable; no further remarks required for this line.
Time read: 3,58,28
